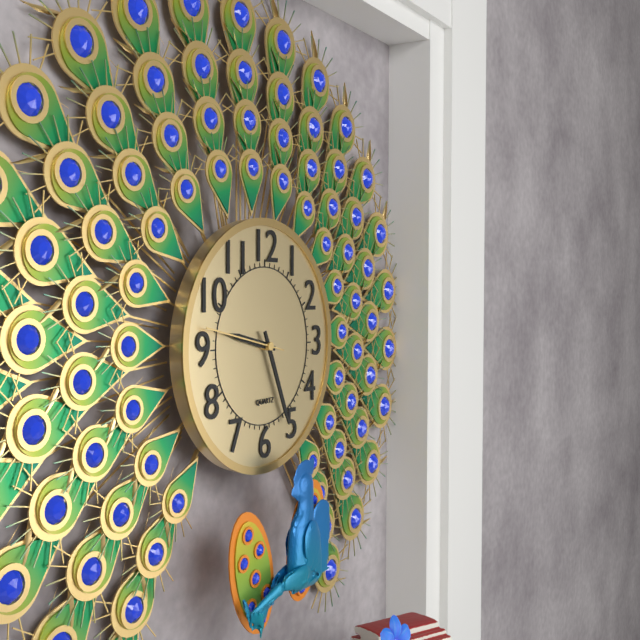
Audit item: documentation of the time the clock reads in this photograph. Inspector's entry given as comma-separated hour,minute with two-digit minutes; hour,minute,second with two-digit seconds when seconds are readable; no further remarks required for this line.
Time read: 9,26,47
